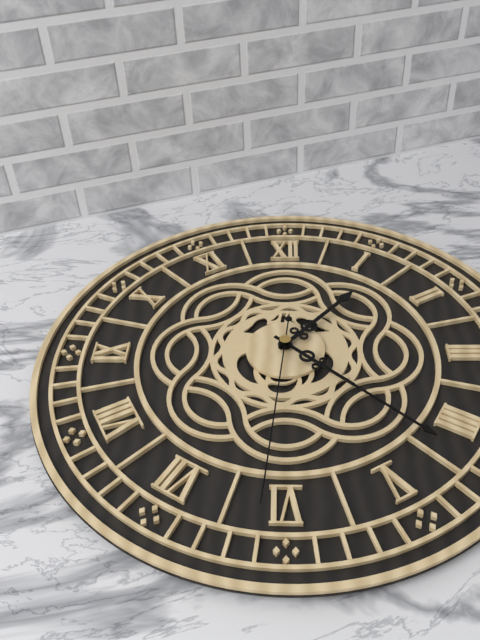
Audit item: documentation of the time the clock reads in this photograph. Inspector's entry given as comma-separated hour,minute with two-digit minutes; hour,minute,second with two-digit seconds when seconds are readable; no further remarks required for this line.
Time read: 1,22,31
